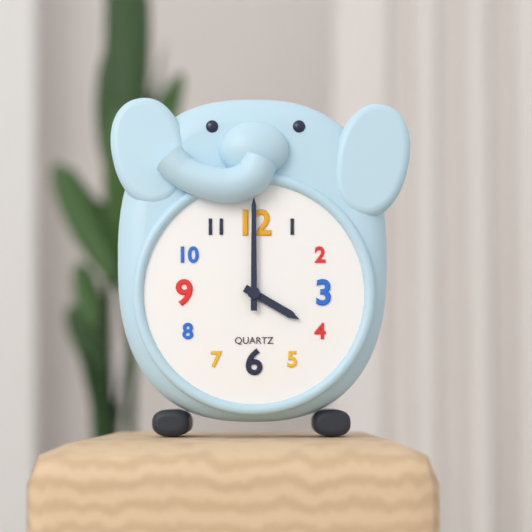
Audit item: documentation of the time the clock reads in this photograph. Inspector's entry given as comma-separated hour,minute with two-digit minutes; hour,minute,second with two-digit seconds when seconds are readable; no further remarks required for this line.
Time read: 4,00
